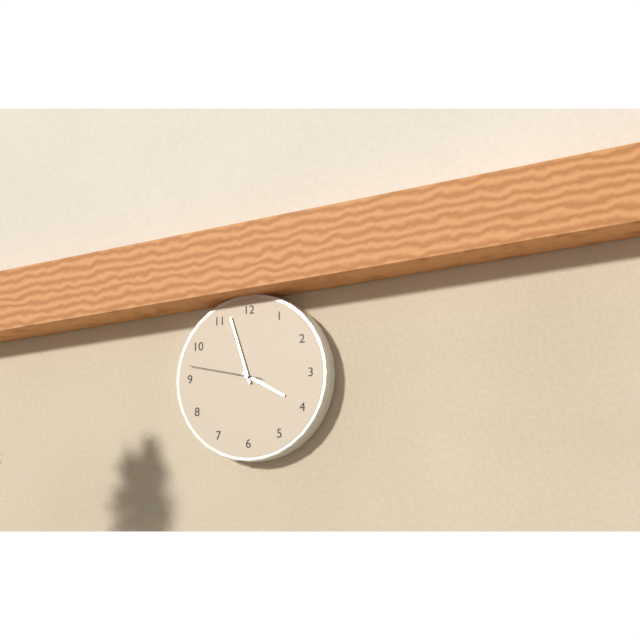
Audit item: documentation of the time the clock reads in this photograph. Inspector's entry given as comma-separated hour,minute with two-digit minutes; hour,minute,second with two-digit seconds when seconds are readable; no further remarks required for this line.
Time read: 3,57,47
